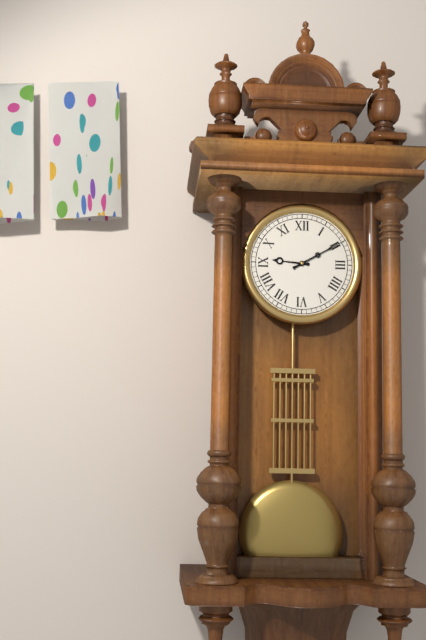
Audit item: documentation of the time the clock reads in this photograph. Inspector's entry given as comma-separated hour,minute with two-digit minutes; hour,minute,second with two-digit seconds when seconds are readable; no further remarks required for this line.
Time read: 9,10
